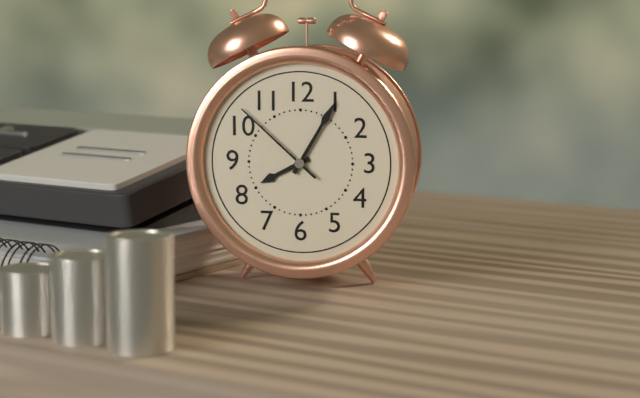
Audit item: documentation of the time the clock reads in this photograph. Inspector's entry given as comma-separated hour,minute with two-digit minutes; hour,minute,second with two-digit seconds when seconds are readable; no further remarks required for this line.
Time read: 8,05,52
